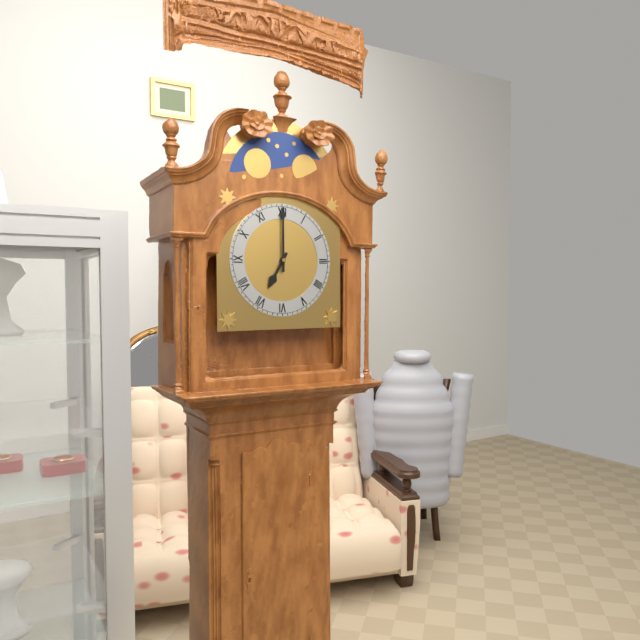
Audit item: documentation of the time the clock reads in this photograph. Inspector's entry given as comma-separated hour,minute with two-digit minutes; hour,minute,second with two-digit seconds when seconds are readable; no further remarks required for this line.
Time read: 7,00
